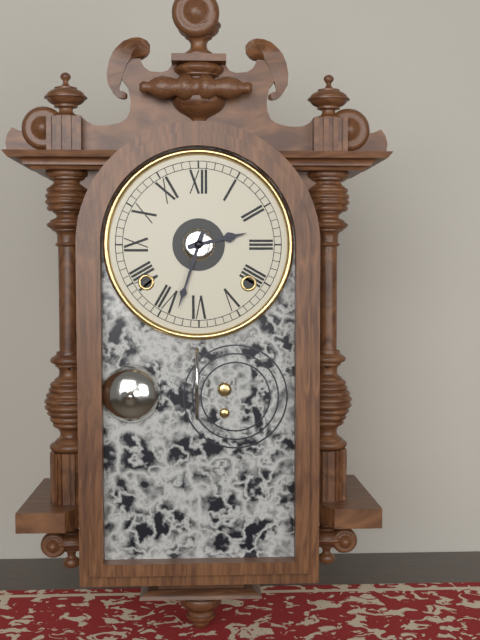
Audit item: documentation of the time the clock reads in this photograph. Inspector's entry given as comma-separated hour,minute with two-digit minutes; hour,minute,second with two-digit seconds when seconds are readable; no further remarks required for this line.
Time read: 2,33
